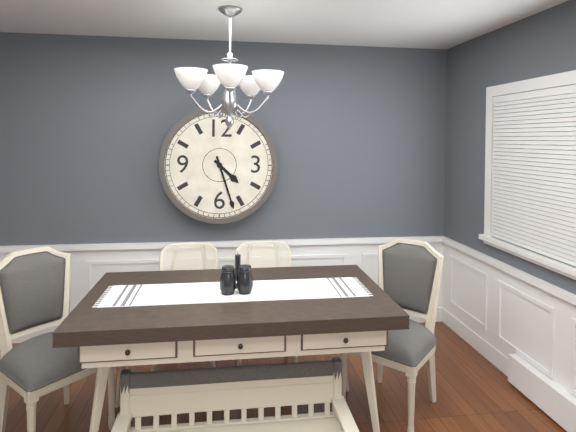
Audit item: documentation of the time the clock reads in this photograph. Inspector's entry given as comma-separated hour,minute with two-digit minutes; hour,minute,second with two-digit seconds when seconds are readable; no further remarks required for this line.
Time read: 4,27
